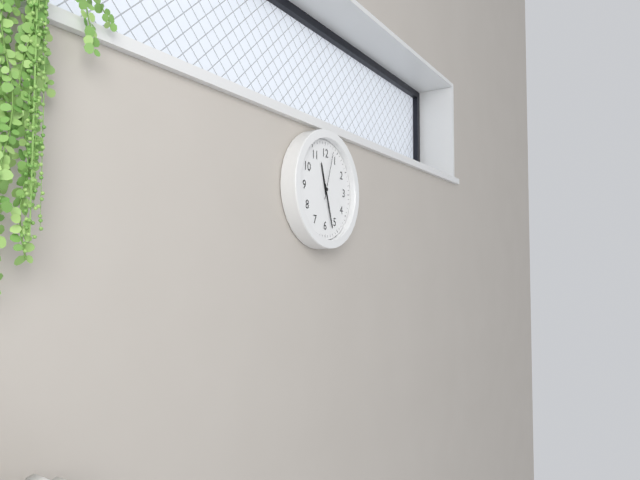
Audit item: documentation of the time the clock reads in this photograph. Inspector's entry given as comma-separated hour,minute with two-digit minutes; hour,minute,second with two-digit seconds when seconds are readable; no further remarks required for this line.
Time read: 11,27
